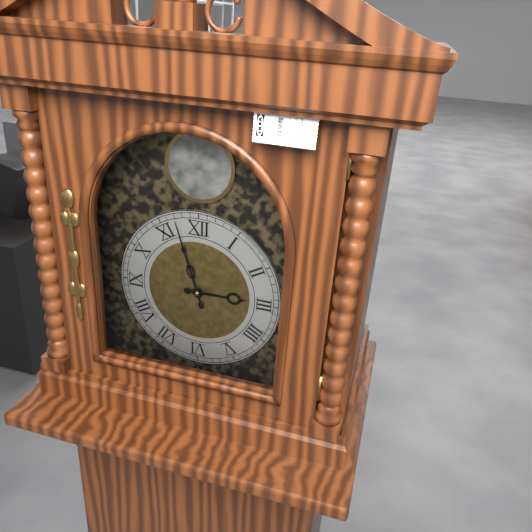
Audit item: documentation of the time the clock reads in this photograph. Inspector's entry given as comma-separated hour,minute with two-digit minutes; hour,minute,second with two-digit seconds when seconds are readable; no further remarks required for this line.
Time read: 2,57
